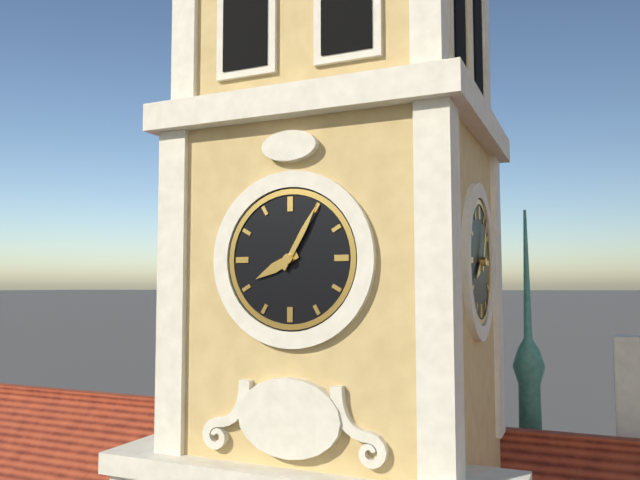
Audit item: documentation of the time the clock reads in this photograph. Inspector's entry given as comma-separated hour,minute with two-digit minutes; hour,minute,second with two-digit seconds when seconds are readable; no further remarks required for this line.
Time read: 8,05
